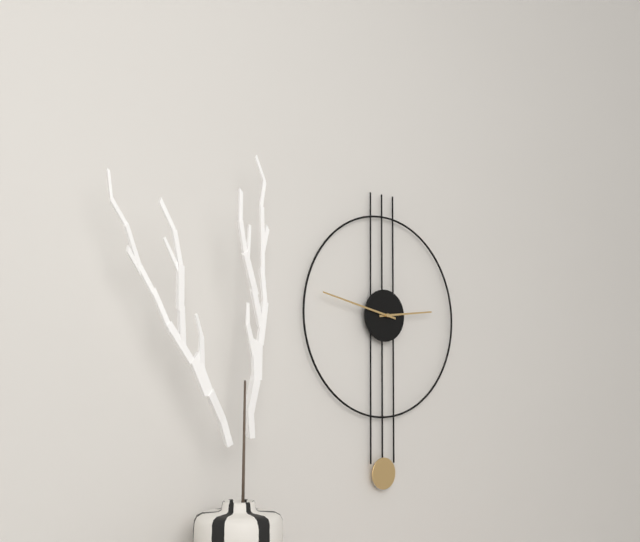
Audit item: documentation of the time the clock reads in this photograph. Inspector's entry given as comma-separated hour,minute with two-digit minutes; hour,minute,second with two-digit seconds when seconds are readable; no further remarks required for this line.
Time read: 2,47
